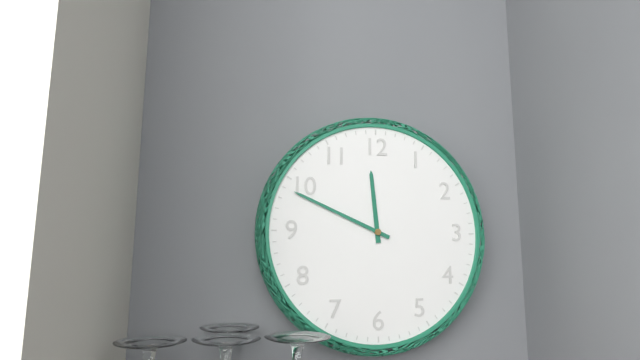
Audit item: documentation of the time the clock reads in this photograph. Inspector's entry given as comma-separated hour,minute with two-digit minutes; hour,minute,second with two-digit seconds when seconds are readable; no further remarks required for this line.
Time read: 11,49
